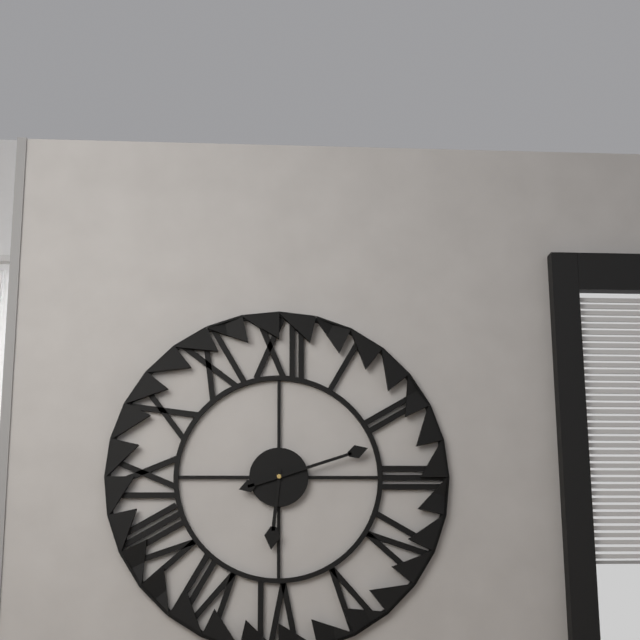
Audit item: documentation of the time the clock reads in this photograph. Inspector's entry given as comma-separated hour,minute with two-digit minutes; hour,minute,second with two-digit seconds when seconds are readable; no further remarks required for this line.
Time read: 6,12
